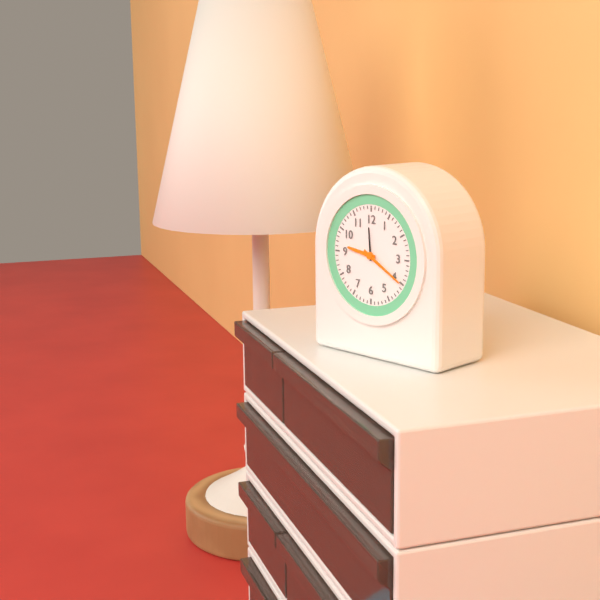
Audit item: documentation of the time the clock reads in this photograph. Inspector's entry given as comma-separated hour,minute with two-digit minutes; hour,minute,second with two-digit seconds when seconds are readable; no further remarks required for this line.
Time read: 9,20
